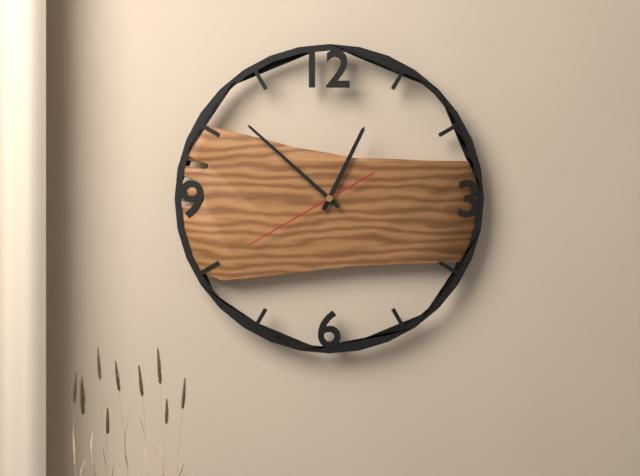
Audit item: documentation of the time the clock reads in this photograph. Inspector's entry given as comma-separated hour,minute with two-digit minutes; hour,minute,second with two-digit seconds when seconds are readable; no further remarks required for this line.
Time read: 12,52,40
